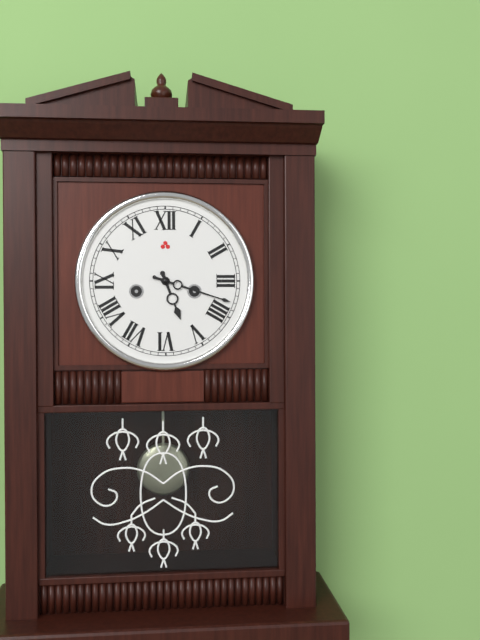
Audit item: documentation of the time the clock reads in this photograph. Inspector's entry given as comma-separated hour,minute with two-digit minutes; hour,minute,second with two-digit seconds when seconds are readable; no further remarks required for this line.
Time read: 5,18
